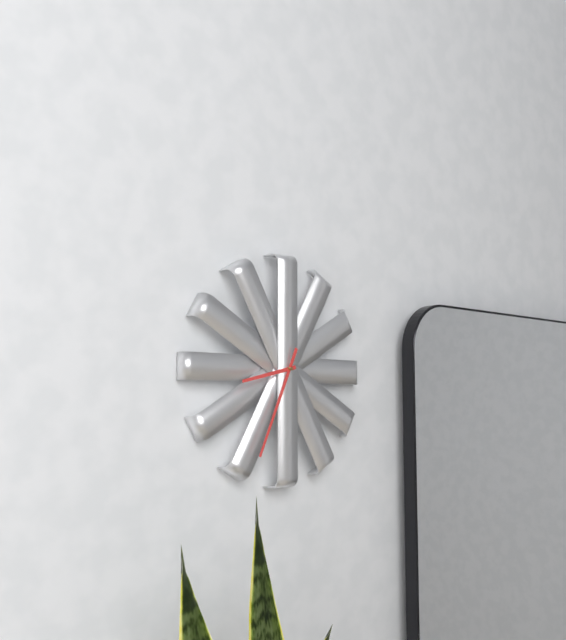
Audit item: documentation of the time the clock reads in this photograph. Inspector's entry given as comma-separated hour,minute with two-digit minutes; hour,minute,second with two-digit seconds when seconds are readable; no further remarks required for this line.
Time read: 8,34
